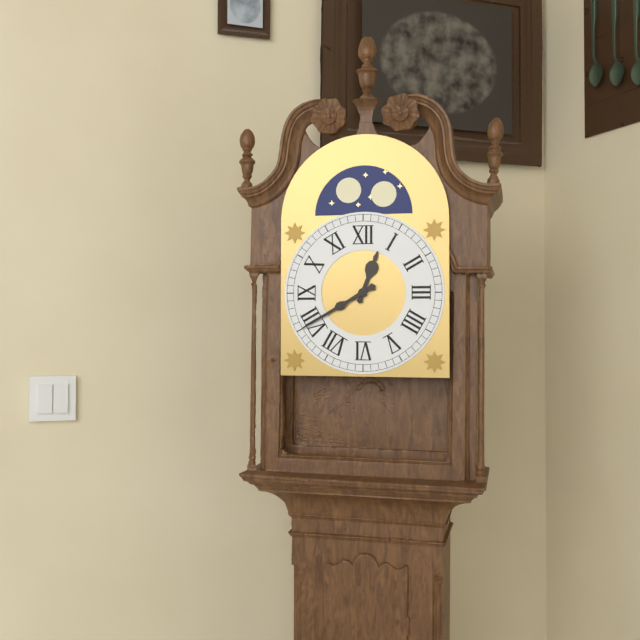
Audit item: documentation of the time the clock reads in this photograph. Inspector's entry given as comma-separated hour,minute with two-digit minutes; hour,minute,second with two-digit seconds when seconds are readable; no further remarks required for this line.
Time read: 12,40
